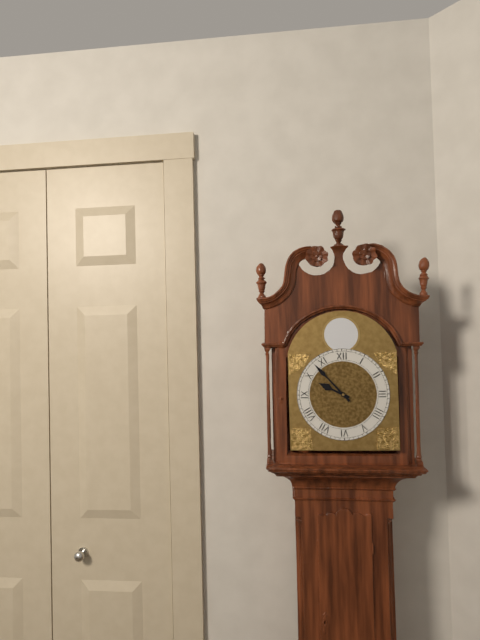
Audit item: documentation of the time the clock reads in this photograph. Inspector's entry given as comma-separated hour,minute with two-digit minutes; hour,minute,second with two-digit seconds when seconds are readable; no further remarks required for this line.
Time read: 9,53
